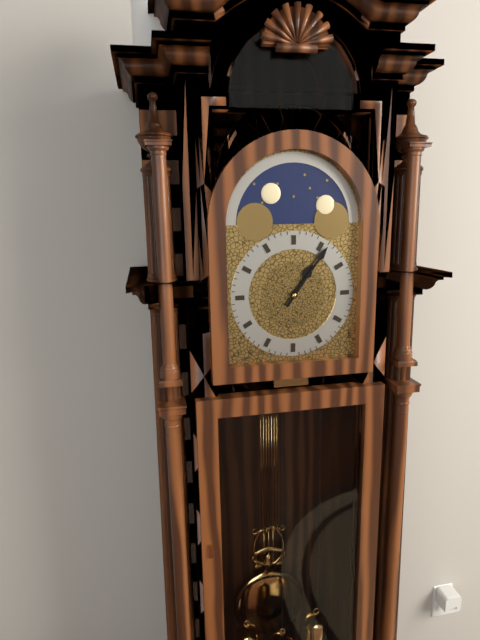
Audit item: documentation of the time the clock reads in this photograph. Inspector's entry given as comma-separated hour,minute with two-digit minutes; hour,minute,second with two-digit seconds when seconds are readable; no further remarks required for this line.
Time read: 1,06
